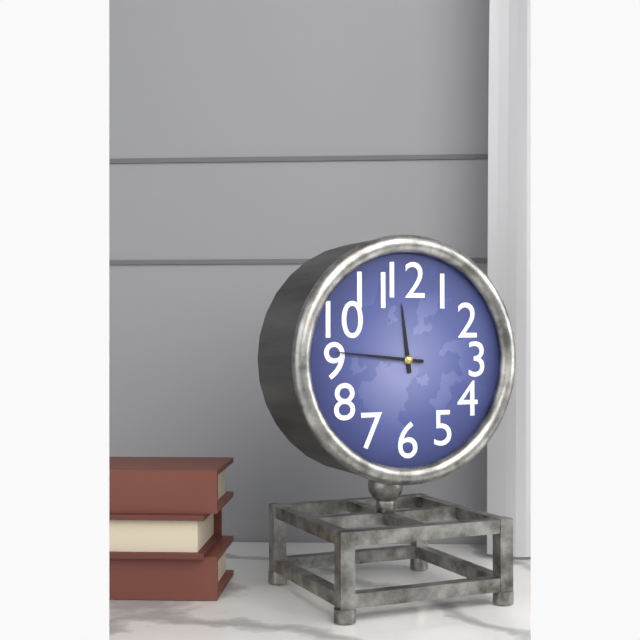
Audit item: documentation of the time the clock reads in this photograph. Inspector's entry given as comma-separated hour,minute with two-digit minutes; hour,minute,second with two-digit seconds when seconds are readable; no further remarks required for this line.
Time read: 11,46
